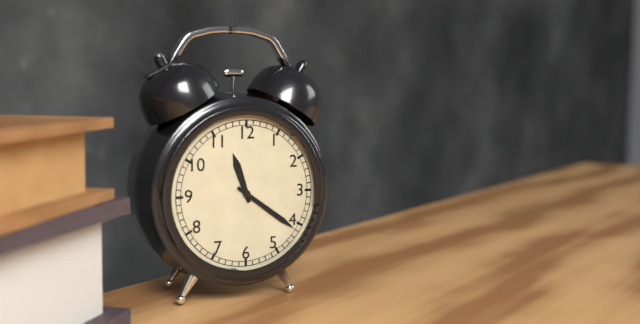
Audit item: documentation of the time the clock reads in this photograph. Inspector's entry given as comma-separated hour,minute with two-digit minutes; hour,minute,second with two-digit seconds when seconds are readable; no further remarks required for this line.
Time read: 11,21
